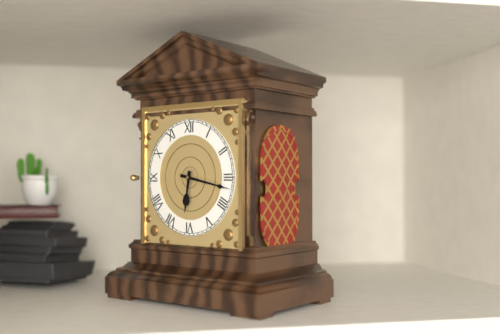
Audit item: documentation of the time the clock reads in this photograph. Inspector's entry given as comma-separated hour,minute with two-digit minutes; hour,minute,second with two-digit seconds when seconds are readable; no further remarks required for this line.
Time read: 6,17
